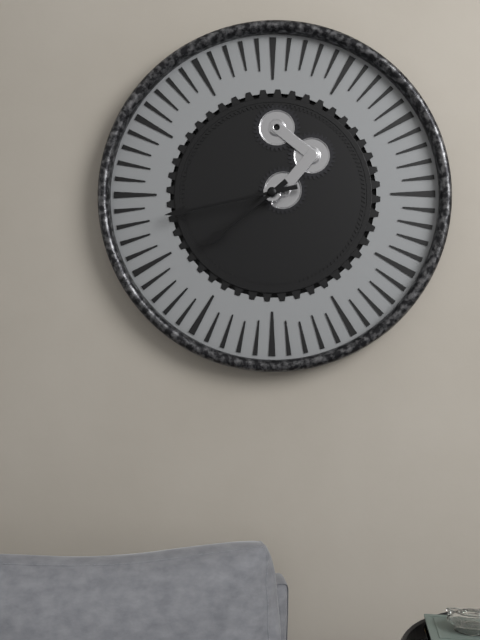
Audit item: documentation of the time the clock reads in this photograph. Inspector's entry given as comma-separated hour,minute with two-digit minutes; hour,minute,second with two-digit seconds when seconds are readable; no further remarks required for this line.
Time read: 7,43
